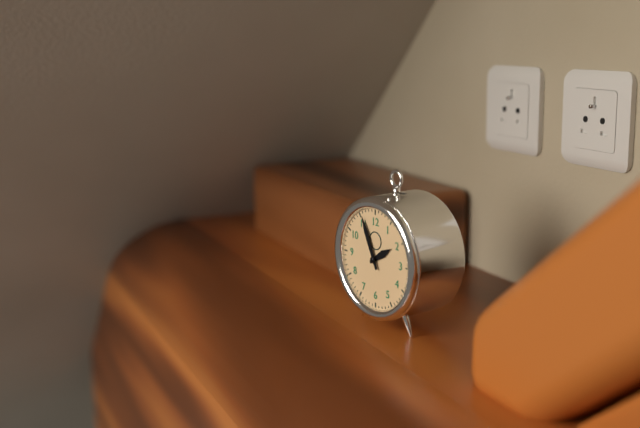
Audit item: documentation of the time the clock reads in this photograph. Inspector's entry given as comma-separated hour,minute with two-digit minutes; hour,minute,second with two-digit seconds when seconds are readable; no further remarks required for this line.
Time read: 1,56
